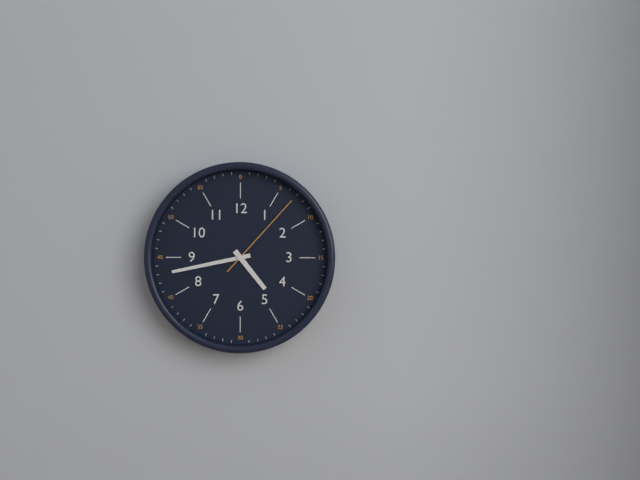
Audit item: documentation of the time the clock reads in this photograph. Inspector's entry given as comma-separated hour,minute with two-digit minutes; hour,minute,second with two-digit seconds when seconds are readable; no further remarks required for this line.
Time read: 4,43,07
